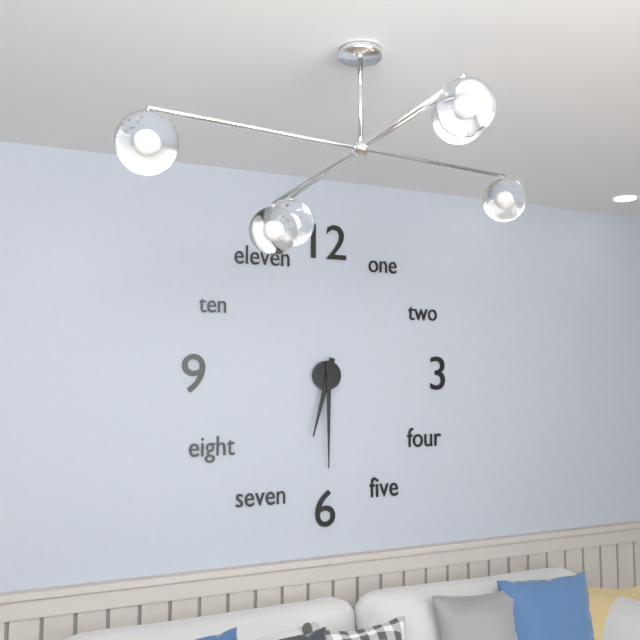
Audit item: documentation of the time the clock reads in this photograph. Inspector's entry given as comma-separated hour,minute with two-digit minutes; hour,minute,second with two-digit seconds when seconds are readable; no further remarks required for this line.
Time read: 6,30
